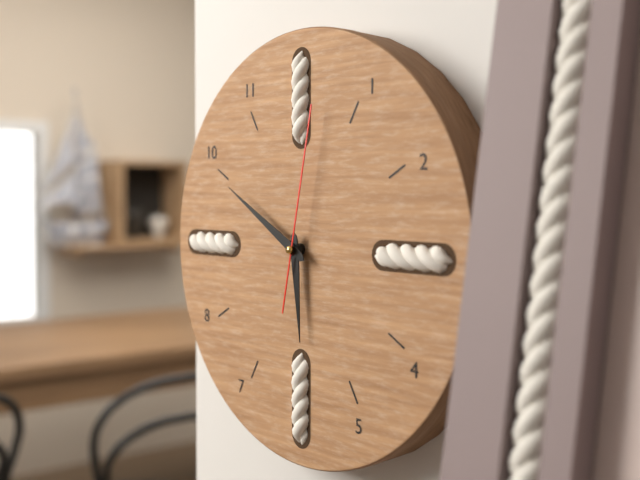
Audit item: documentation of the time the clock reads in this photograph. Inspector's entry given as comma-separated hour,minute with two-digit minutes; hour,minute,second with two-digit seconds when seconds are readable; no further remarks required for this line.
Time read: 5,50,02
